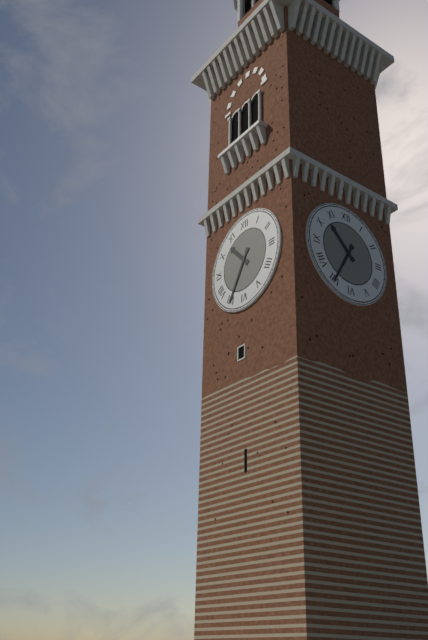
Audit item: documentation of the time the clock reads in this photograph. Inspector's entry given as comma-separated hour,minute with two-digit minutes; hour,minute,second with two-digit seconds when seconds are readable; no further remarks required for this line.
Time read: 10,35
